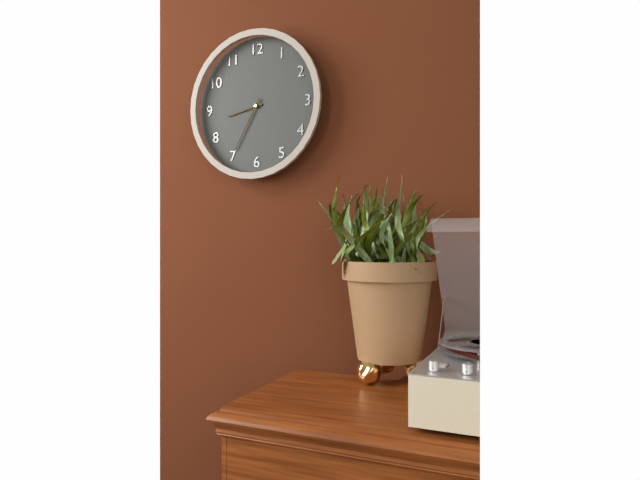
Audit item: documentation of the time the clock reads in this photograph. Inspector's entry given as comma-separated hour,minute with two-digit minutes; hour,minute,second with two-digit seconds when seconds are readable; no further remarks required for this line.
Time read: 8,35
